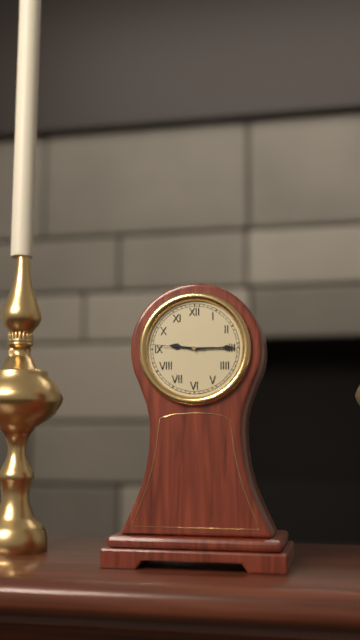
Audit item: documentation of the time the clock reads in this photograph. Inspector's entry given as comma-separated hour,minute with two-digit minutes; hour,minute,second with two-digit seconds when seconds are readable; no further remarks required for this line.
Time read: 9,15,46
